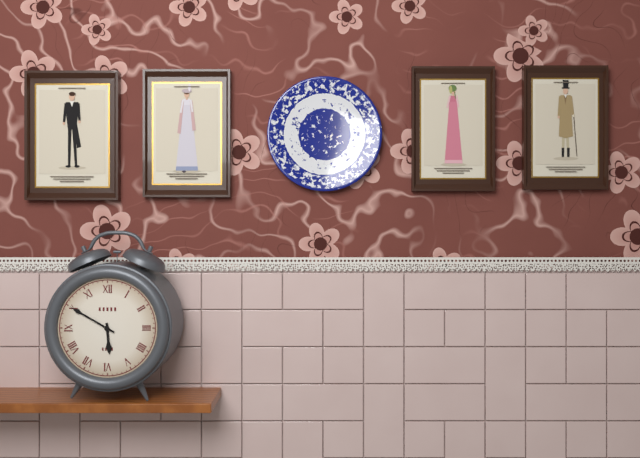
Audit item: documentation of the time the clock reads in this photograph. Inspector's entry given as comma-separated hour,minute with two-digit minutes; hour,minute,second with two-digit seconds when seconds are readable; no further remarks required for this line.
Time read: 5,50
